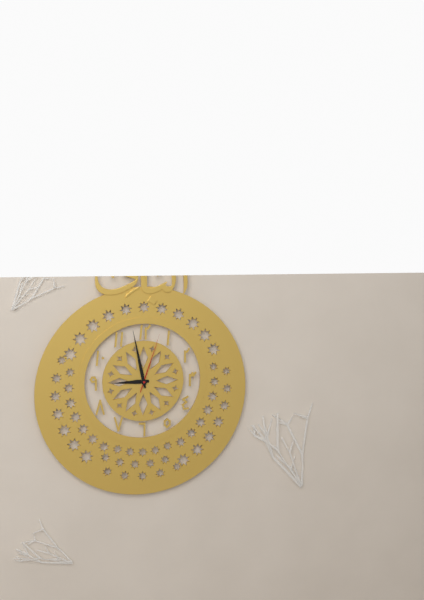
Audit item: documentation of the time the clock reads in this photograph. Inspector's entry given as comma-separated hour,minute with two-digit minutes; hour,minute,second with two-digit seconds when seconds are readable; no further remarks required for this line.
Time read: 8,58,03
